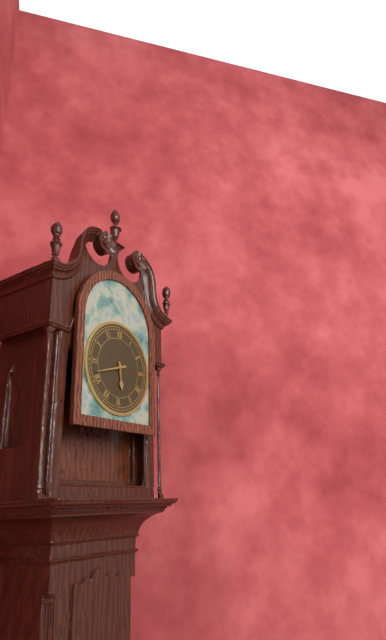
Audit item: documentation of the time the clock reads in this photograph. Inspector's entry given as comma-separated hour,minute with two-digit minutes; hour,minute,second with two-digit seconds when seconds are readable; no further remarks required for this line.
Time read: 5,42
